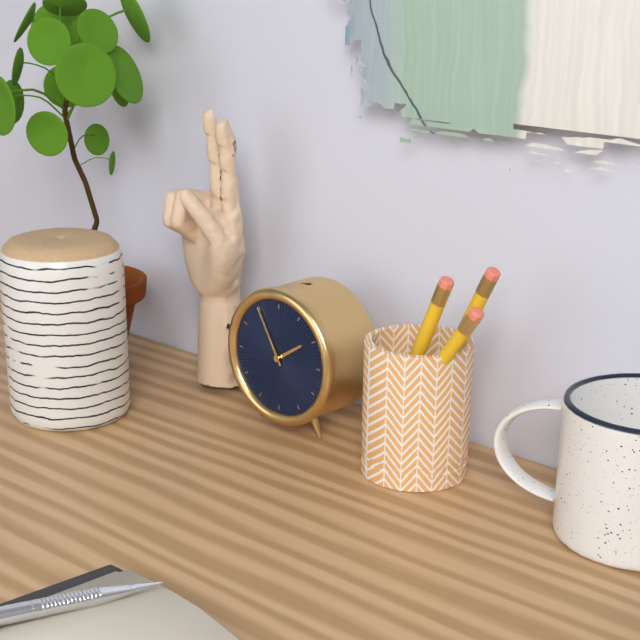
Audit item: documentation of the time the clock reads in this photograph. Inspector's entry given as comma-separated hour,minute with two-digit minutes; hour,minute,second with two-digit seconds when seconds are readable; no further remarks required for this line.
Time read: 1,55
